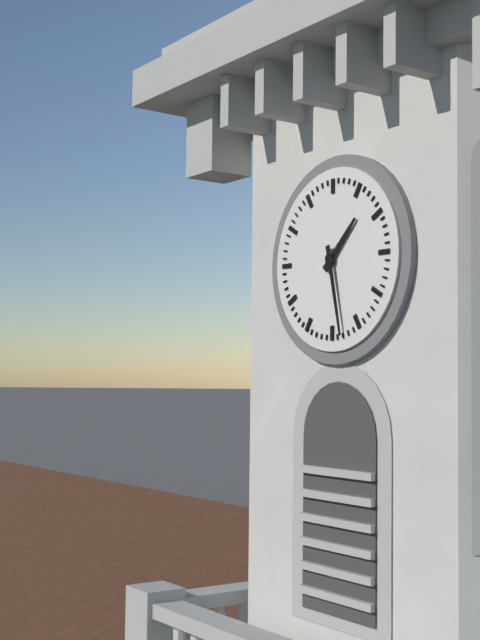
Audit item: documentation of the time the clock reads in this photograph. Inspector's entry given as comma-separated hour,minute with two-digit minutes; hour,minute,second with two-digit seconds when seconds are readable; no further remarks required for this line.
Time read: 1,28
